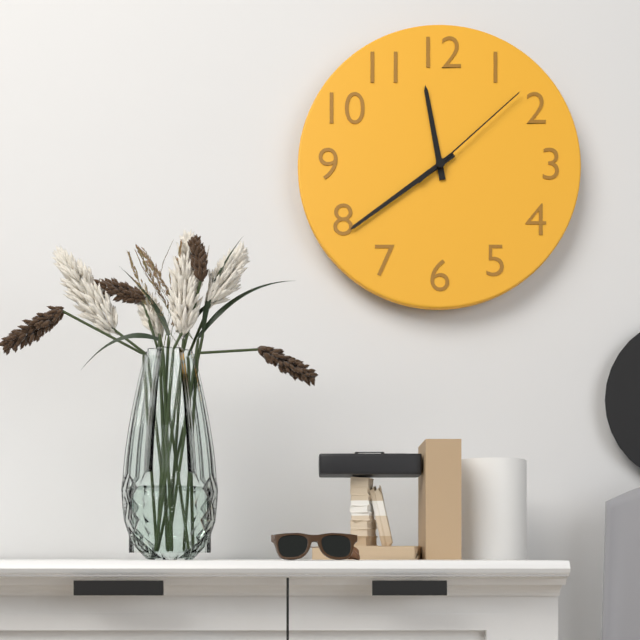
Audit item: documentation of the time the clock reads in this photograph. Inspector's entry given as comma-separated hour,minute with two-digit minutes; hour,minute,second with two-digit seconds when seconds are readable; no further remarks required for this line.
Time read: 11,39,08
